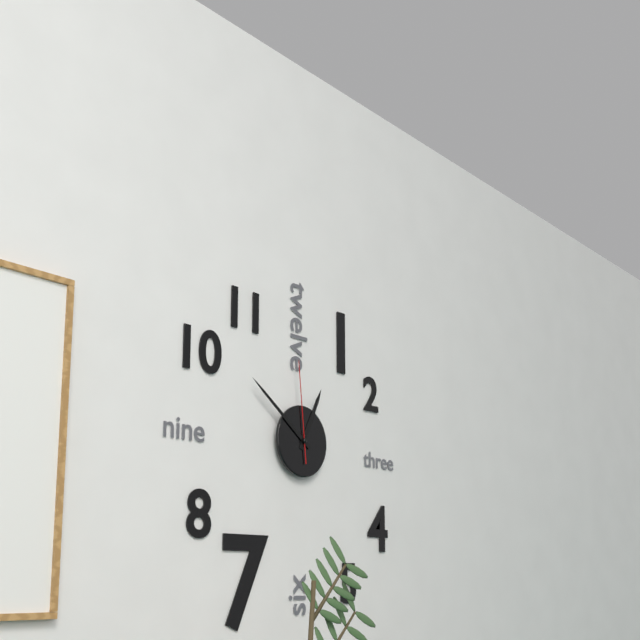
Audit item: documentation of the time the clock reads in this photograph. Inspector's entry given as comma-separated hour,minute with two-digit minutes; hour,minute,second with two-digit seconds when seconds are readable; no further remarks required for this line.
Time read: 12,51,59
